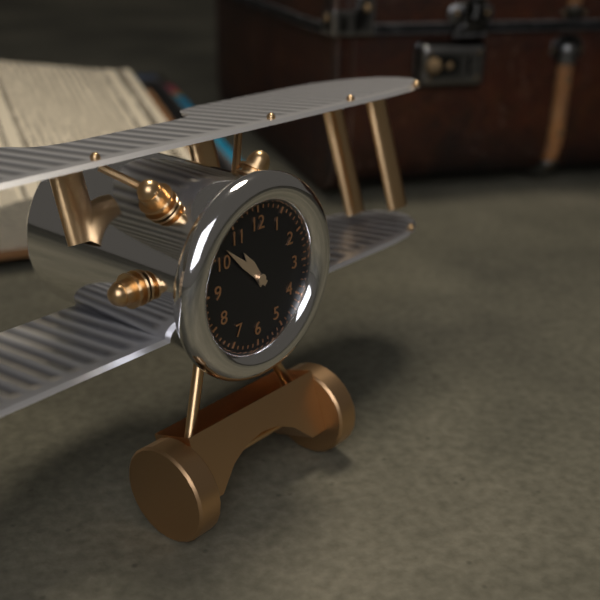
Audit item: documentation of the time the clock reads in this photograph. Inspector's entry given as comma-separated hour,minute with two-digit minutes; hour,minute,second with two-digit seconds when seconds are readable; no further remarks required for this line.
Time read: 10,52
